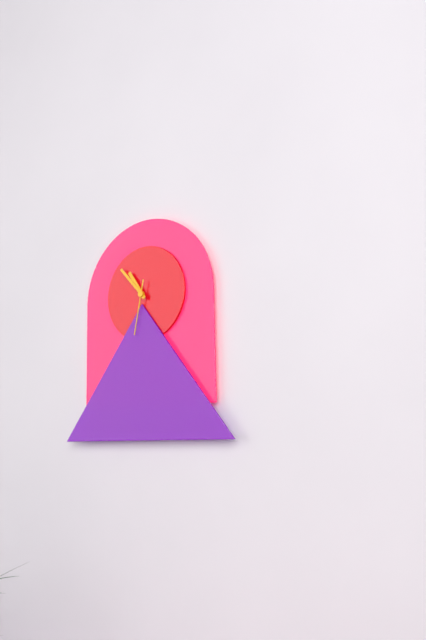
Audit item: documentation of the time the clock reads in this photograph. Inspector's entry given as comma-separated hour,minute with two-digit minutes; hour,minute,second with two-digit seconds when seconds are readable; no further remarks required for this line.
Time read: 10,53,32
